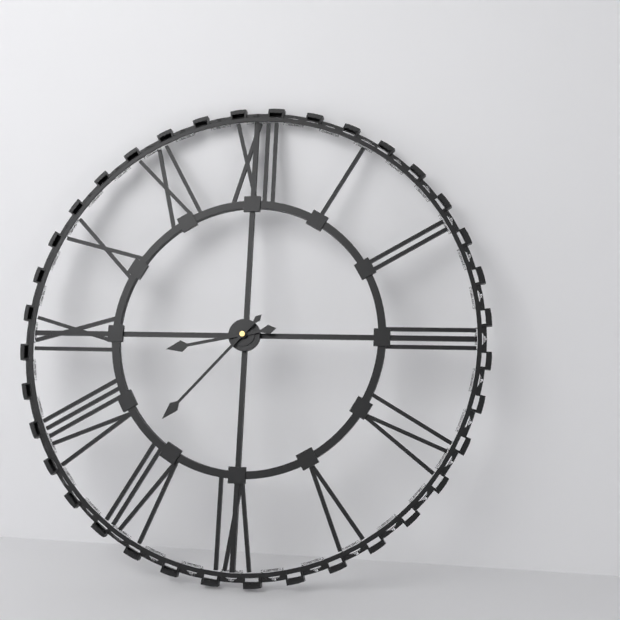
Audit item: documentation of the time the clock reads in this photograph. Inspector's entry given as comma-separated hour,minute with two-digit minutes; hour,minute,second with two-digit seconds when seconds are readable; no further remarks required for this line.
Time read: 8,37
